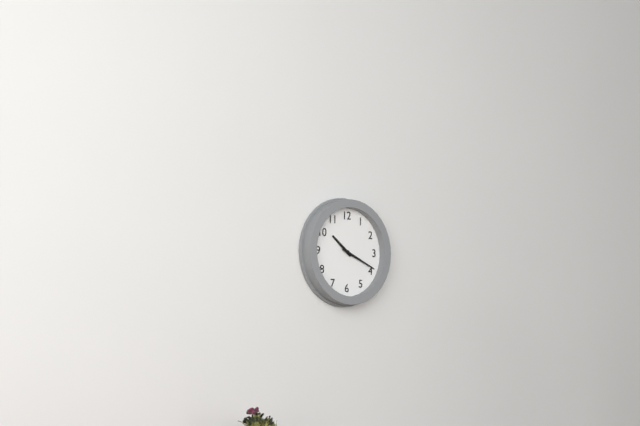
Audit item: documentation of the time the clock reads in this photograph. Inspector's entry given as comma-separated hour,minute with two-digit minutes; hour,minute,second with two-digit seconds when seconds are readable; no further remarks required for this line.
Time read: 10,19
